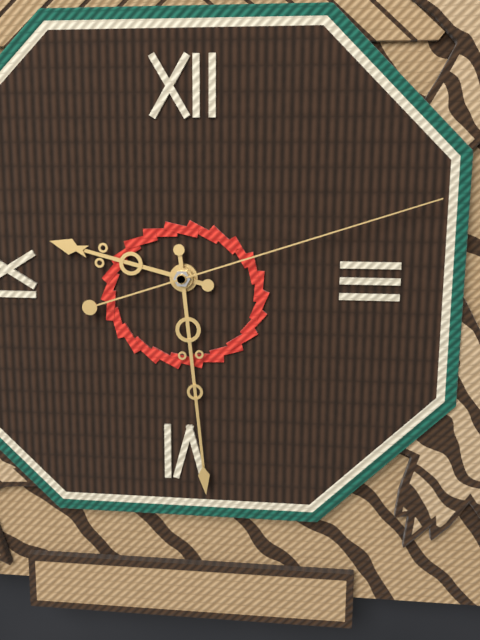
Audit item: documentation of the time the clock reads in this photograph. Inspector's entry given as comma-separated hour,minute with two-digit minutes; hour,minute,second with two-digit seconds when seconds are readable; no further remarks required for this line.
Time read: 9,29,12
